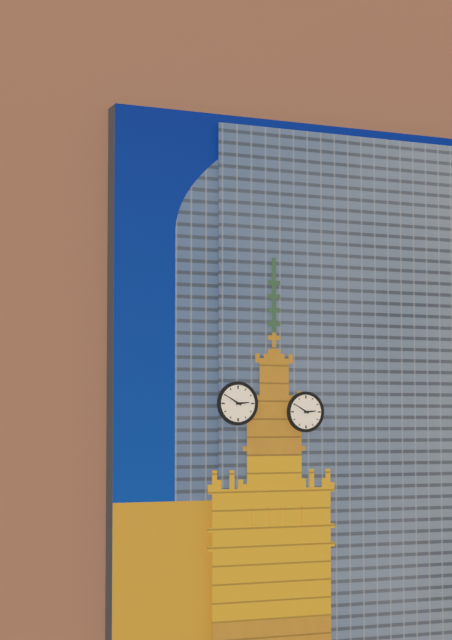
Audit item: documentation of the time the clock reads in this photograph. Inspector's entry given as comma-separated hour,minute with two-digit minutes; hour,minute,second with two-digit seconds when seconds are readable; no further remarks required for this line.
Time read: 2,50
